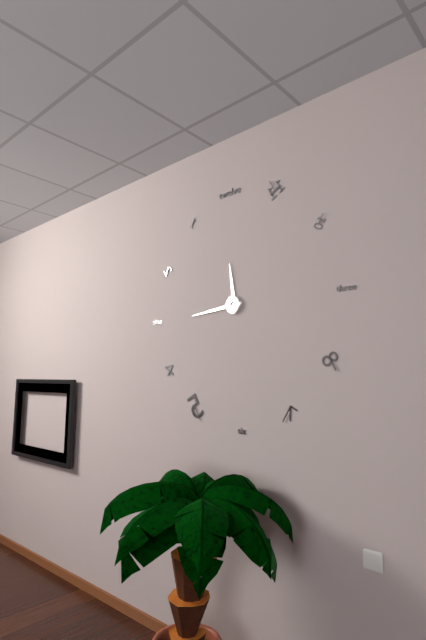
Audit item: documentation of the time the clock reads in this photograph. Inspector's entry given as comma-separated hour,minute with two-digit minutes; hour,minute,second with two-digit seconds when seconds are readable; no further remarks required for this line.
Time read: 11,44
